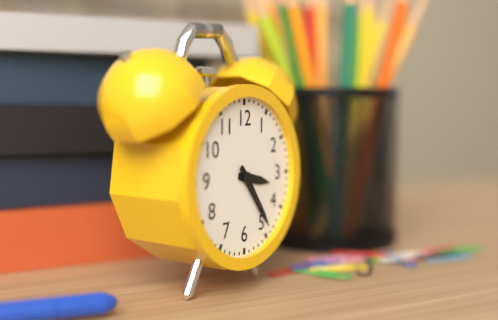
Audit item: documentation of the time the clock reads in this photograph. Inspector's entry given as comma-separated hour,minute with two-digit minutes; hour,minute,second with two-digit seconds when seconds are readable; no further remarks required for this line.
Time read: 3,24
